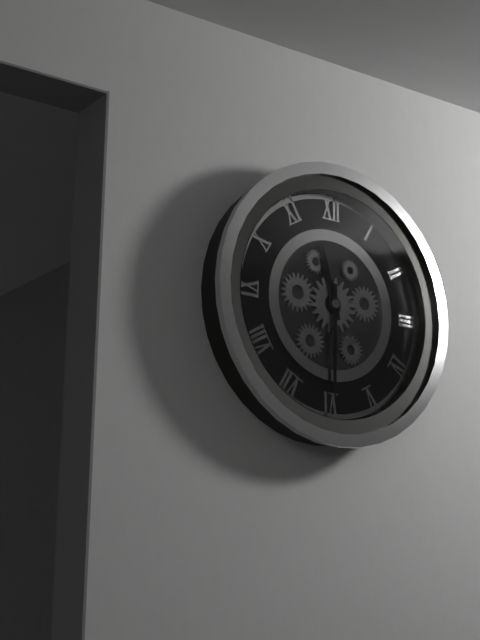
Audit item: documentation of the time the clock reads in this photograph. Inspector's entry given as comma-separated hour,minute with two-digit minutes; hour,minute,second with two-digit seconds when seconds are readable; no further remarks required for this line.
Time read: 11,30
